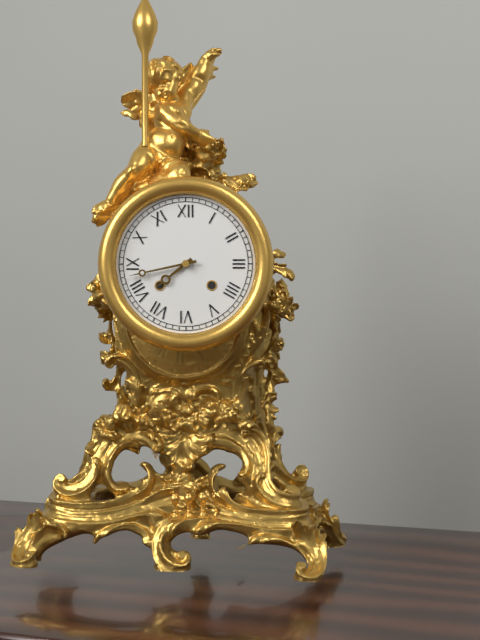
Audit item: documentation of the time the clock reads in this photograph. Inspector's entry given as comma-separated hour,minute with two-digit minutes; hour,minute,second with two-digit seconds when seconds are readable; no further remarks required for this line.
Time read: 7,43
